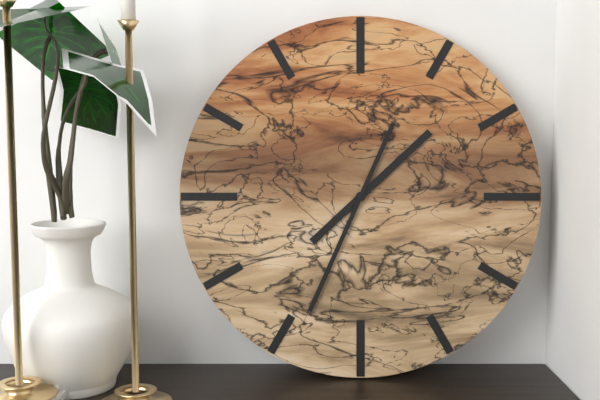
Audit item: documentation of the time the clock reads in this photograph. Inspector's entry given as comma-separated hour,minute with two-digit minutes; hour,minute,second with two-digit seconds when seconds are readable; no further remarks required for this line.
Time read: 1,34
